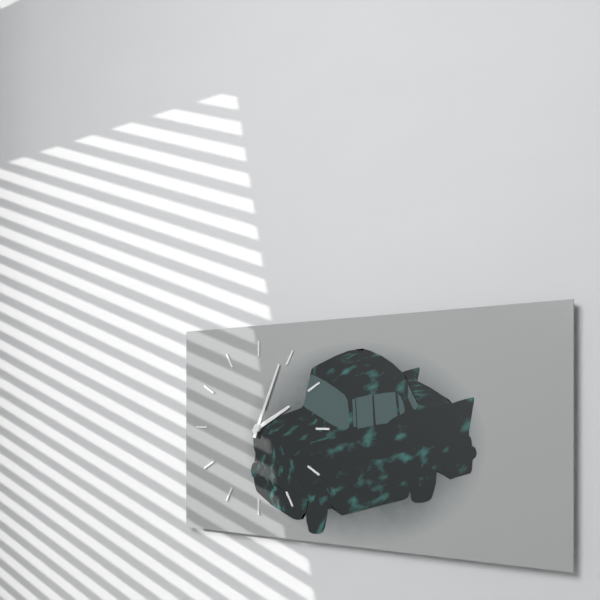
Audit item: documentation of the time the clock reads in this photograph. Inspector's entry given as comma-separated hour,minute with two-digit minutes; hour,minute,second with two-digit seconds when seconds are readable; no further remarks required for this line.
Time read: 2,04
